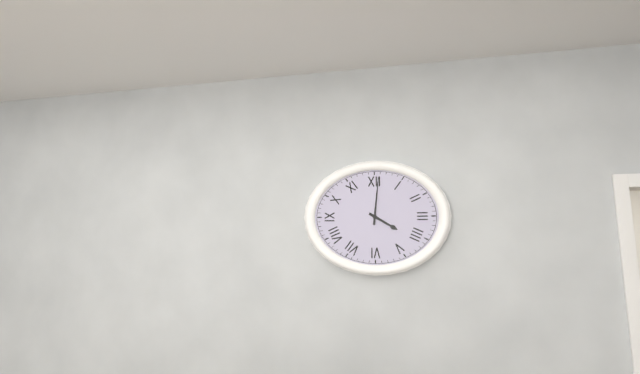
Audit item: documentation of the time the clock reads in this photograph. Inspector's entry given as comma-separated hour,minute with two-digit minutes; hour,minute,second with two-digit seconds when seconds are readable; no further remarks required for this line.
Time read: 4,01
